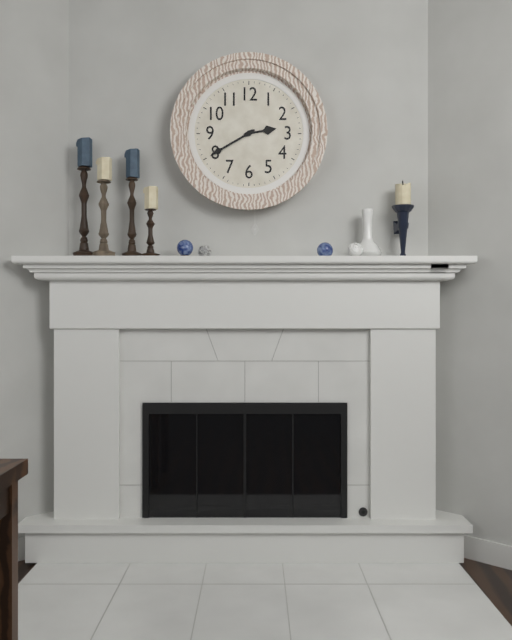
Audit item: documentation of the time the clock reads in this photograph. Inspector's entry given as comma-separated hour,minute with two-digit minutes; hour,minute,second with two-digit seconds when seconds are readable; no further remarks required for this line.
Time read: 2,40
